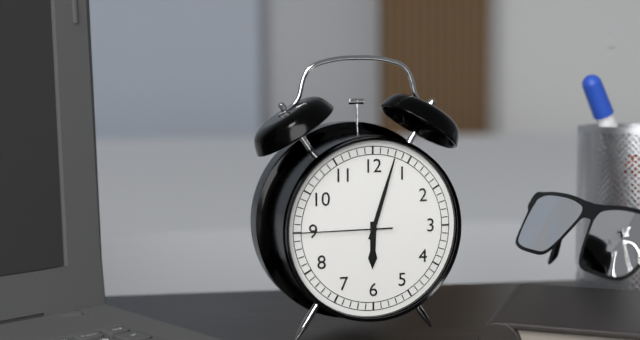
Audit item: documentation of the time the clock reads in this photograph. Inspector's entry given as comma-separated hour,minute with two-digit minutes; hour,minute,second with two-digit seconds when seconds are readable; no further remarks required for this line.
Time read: 6,03,45
